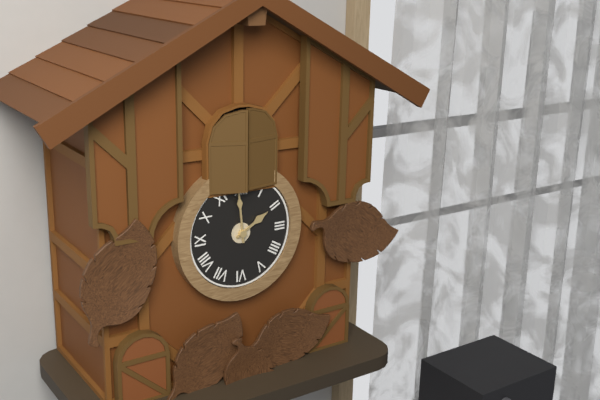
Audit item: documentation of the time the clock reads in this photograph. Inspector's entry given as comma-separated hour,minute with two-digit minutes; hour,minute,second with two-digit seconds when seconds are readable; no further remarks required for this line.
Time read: 1,59
